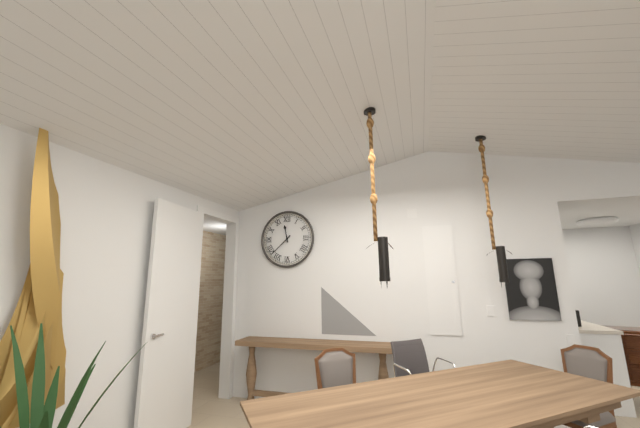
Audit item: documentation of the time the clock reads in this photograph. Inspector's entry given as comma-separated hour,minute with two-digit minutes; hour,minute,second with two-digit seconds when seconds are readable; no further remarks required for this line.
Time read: 11,38
